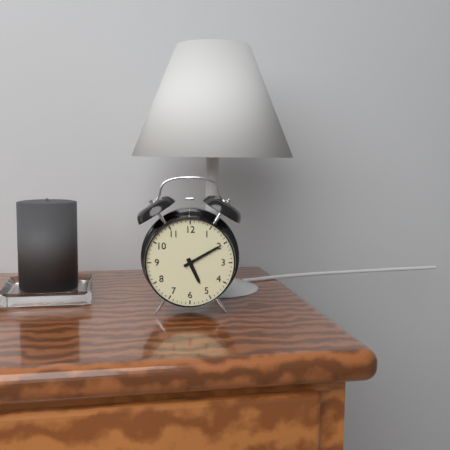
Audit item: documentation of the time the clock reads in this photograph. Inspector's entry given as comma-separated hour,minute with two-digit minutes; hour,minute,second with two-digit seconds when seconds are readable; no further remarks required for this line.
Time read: 5,10
